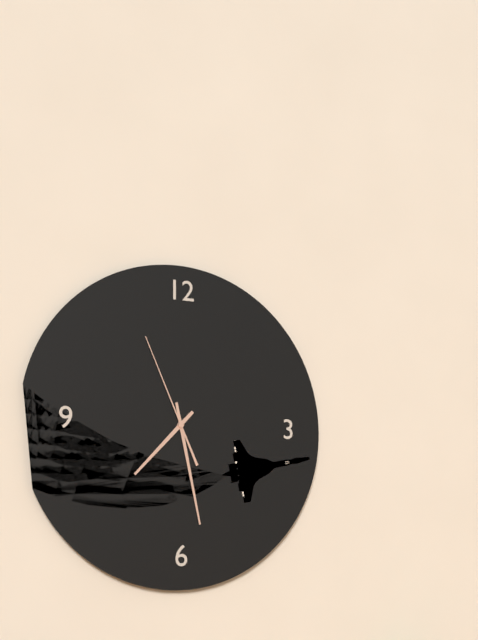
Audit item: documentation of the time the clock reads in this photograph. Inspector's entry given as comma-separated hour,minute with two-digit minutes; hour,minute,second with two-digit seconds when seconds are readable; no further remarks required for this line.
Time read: 7,28,56
